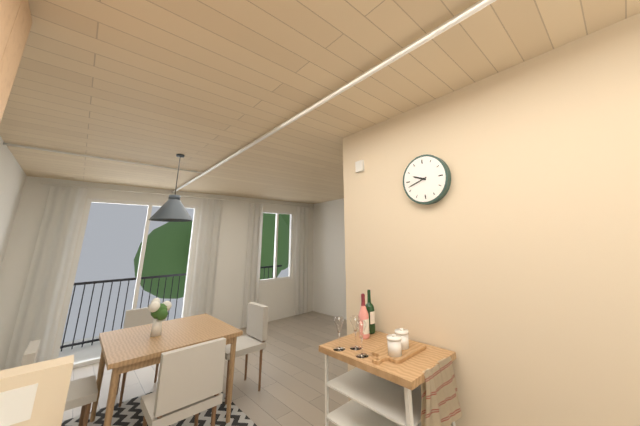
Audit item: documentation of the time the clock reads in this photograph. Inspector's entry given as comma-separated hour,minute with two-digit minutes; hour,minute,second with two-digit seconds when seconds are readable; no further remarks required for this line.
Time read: 9,42
